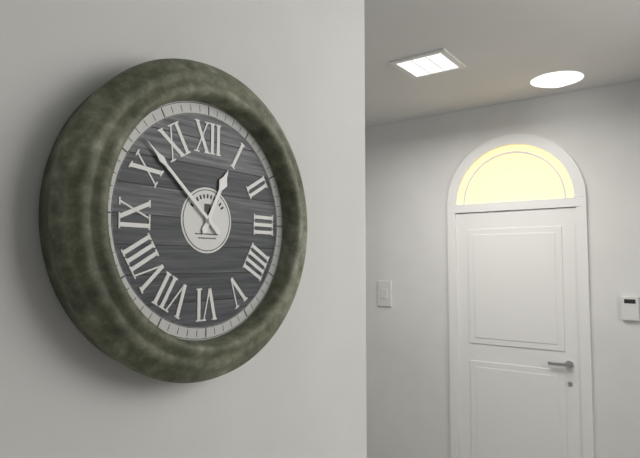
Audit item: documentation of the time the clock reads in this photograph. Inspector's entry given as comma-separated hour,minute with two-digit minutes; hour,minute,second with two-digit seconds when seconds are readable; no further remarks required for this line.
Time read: 12,52
